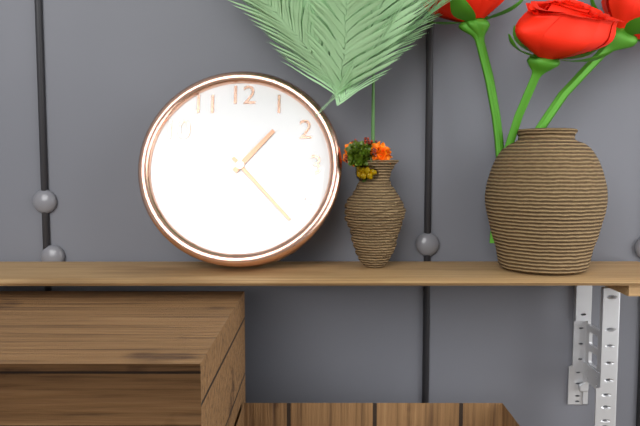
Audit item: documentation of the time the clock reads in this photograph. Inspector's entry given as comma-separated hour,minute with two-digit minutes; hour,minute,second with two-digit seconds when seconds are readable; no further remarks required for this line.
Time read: 1,23
